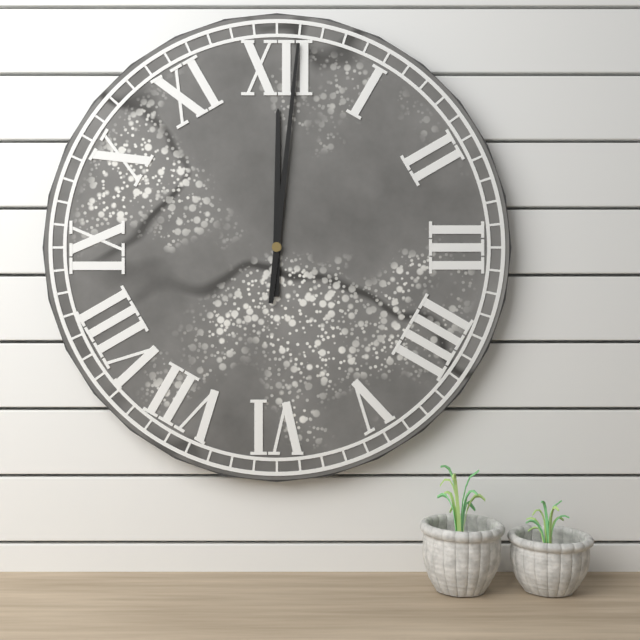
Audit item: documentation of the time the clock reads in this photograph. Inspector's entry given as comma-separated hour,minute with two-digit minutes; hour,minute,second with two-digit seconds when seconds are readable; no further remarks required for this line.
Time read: 12,01
